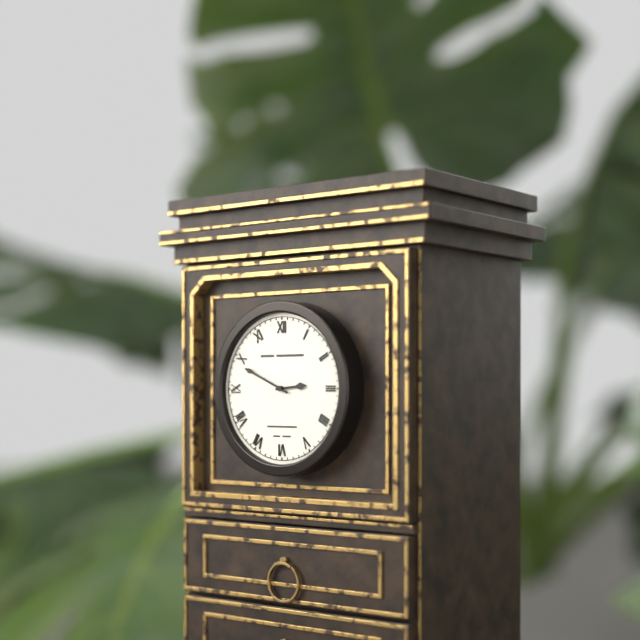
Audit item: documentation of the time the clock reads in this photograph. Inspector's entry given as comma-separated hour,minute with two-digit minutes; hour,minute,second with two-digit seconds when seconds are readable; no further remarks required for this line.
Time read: 2,49
